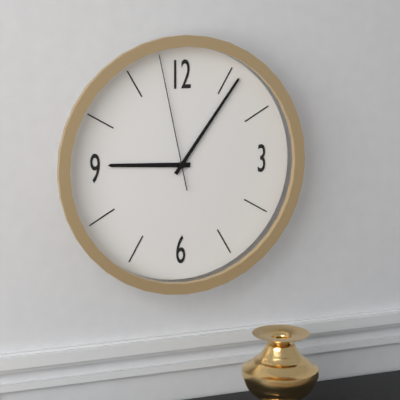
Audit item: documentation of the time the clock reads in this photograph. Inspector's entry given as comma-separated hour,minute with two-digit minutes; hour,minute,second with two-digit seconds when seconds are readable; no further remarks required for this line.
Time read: 9,06,58
